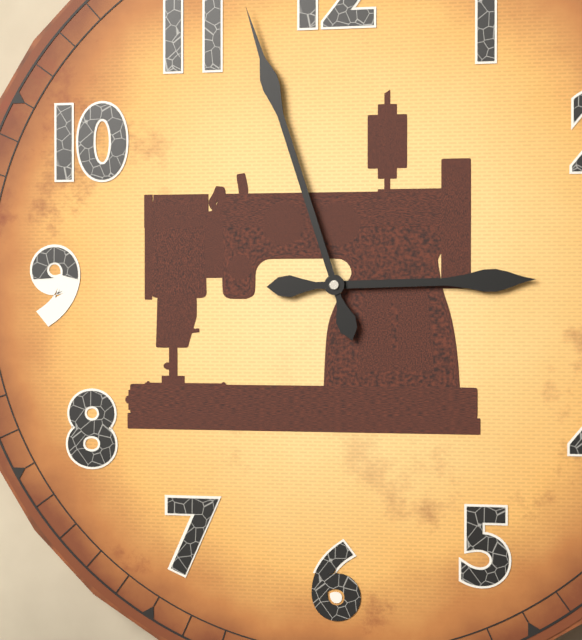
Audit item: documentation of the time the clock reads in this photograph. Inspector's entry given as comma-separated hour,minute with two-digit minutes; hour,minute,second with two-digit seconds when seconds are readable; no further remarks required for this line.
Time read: 2,57
